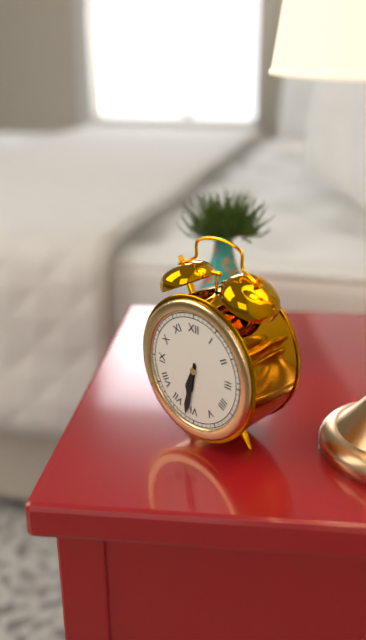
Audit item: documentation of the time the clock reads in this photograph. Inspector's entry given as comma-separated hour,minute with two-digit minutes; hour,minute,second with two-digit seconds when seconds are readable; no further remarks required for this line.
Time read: 6,32
